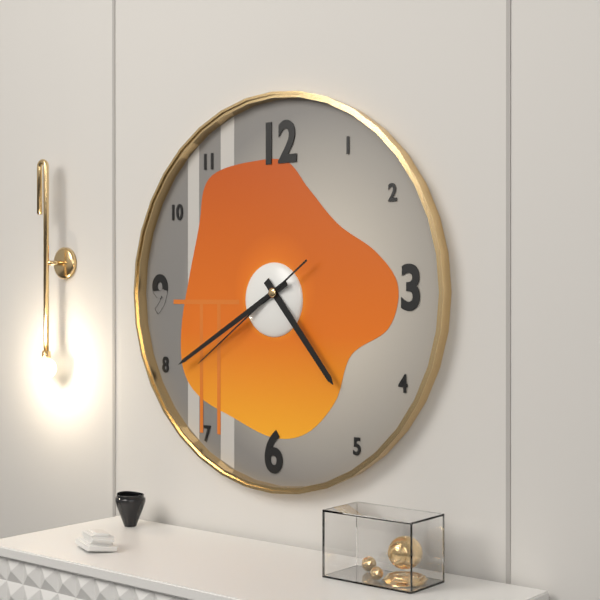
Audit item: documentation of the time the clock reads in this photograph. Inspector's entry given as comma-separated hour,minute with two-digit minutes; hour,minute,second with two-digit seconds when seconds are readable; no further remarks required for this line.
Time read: 4,40,39
